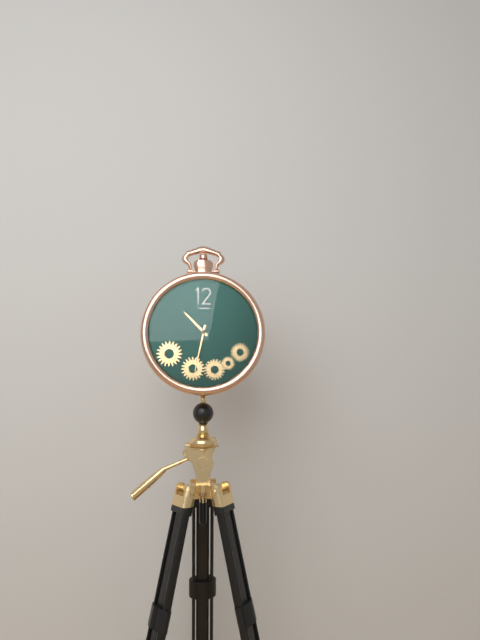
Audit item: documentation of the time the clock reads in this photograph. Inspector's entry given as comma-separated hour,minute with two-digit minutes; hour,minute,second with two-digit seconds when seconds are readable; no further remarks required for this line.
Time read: 10,32
